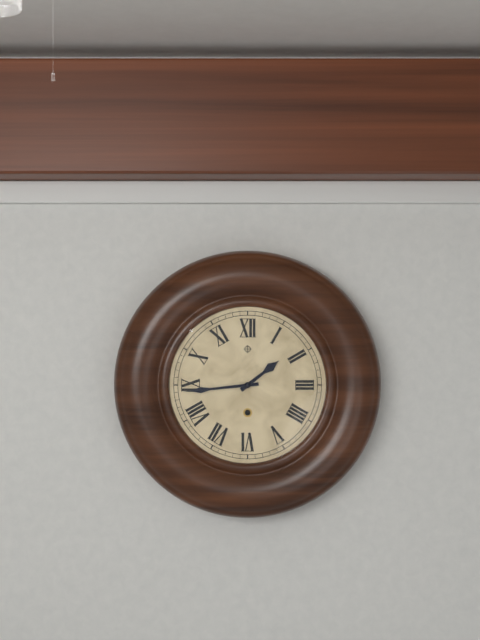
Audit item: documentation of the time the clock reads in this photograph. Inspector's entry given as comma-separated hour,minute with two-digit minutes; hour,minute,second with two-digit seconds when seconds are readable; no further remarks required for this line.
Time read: 1,44
